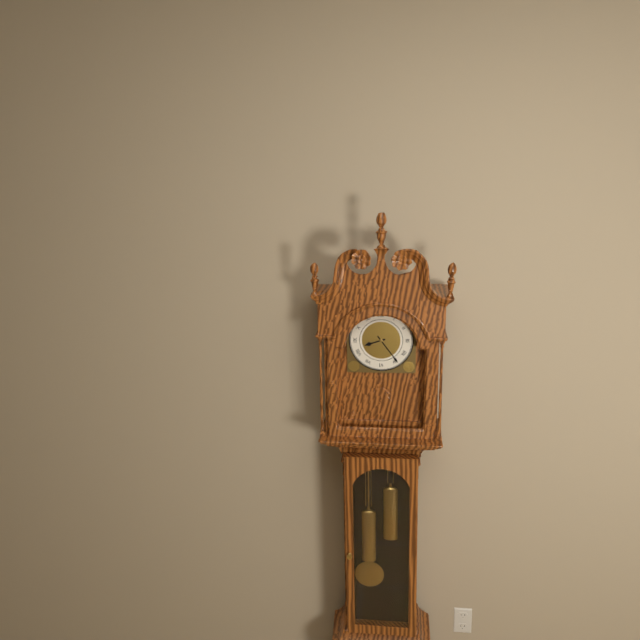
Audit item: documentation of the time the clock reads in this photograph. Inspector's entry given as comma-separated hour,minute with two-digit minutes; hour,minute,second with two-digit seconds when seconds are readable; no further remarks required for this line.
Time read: 8,24
